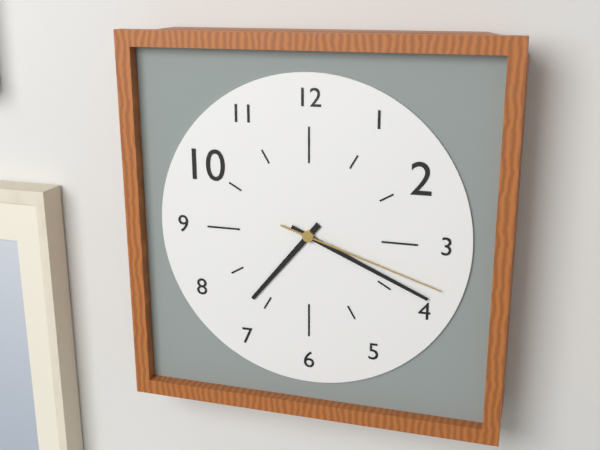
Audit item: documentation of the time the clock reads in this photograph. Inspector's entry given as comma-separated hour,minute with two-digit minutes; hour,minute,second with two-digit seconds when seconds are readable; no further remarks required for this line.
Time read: 7,19,18
